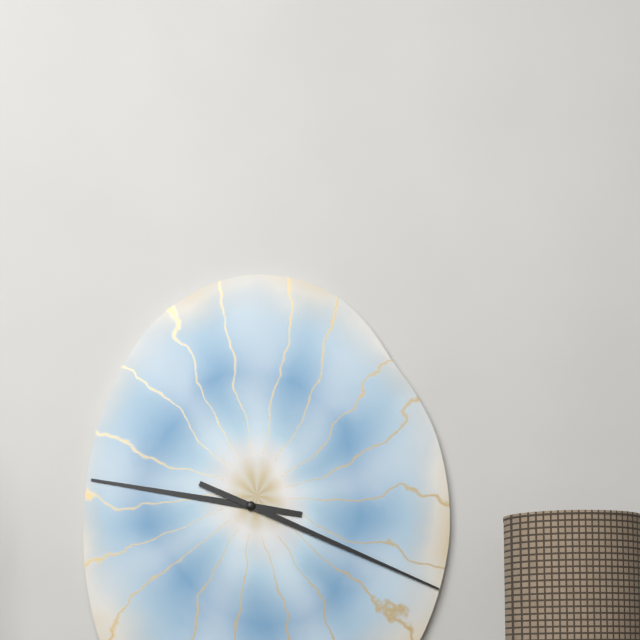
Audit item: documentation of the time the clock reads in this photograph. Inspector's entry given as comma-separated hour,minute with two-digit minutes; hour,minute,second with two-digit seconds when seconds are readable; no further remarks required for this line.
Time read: 9,19
